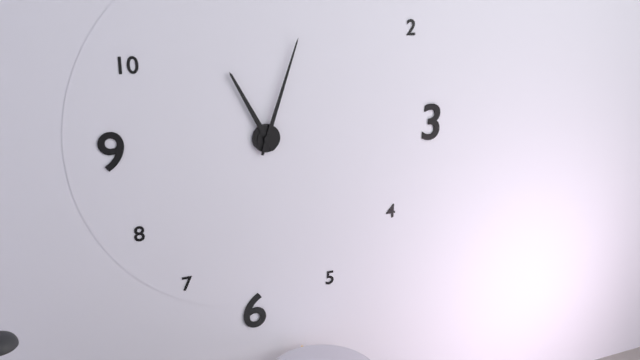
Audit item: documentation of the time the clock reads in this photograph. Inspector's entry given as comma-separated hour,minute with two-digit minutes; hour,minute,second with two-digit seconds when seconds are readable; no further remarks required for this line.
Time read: 11,03
